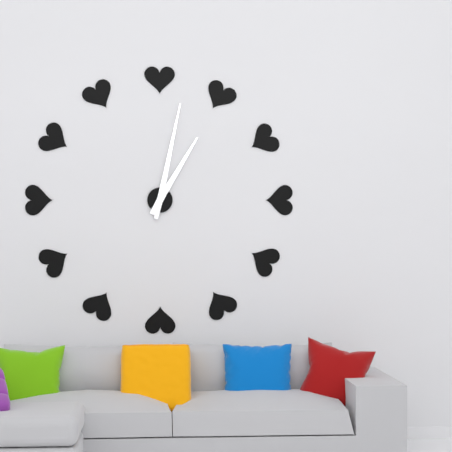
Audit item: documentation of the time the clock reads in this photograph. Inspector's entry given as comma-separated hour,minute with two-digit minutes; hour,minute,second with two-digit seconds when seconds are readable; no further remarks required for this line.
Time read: 1,02
